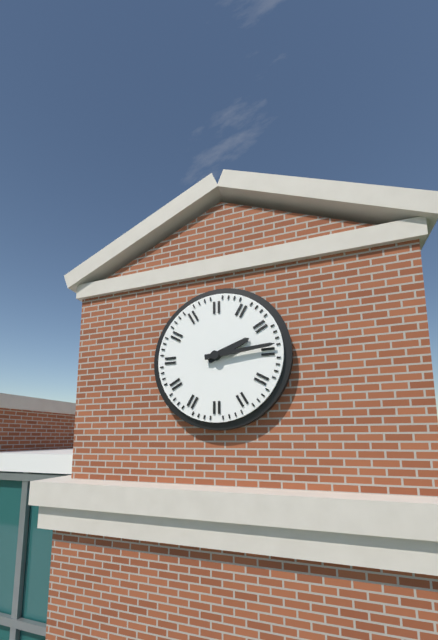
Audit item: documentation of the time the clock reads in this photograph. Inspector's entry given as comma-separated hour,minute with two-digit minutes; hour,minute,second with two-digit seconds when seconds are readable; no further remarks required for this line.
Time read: 2,14
